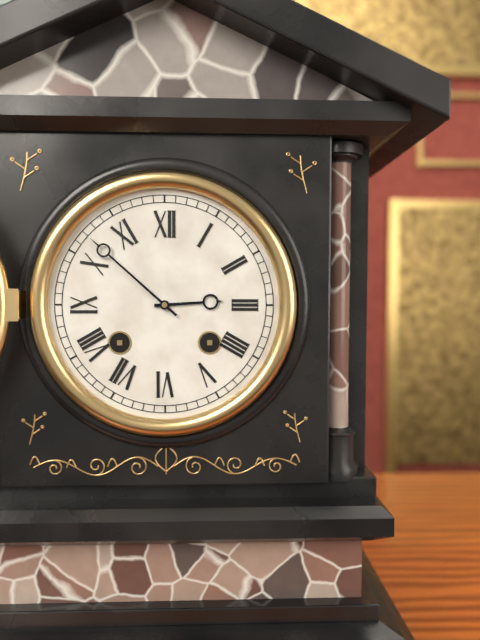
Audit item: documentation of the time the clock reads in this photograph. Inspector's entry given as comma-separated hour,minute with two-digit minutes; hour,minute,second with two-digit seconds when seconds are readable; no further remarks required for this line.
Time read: 2,52
